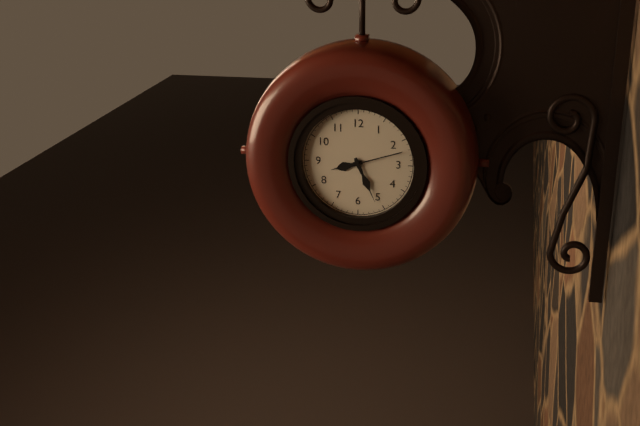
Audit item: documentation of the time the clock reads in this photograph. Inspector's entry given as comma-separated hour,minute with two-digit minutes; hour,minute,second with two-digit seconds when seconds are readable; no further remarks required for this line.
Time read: 8,26,12
